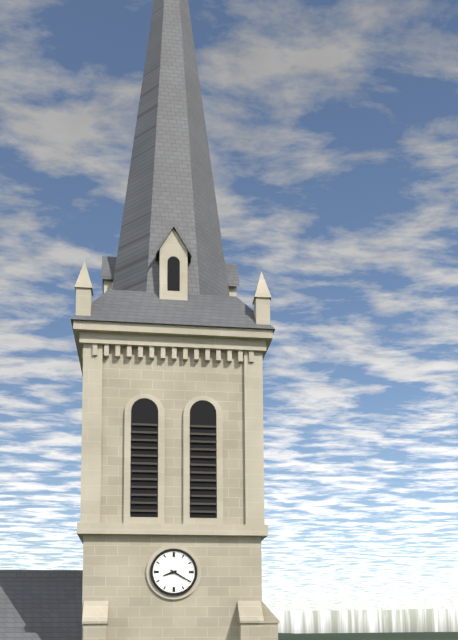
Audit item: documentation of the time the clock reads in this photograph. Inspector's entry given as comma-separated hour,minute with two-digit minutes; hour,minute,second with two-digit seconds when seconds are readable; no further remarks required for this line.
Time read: 8,20
